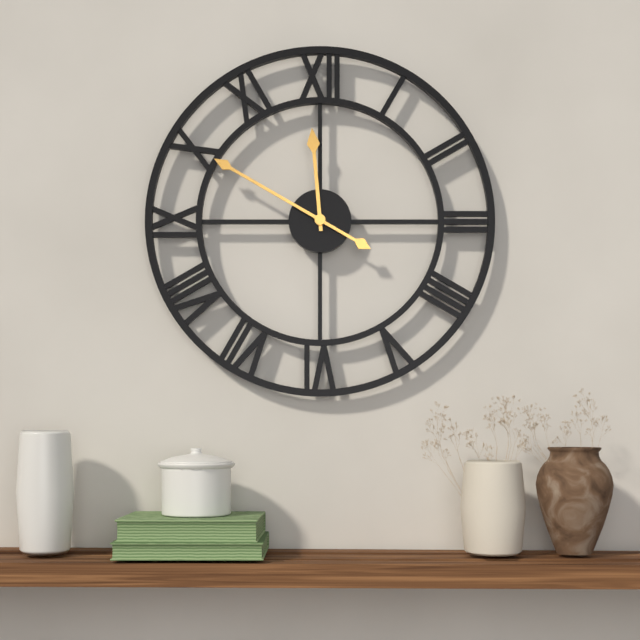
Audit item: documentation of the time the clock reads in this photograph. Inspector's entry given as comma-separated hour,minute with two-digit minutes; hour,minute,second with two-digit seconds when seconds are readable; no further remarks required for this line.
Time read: 11,50
